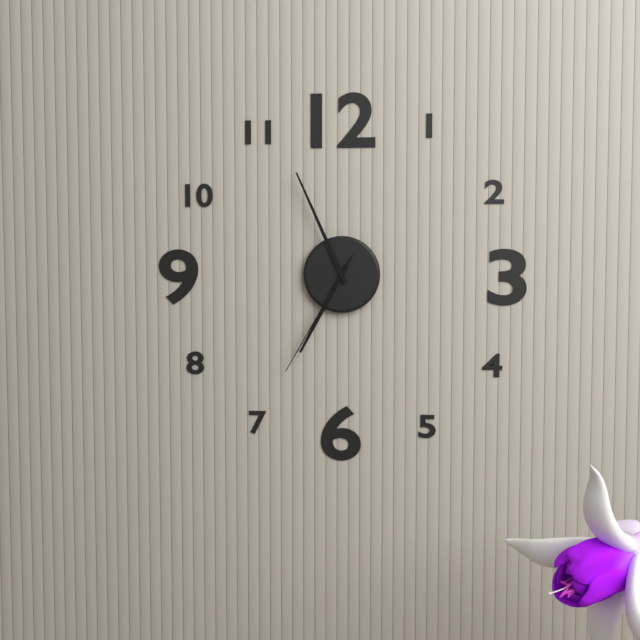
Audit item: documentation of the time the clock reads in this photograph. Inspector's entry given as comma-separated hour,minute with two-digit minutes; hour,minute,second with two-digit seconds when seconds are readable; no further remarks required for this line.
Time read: 6,56,35
